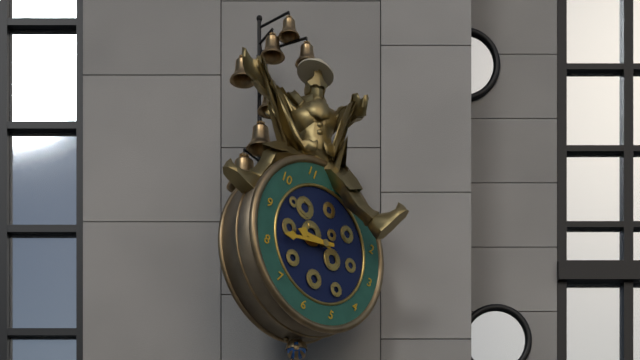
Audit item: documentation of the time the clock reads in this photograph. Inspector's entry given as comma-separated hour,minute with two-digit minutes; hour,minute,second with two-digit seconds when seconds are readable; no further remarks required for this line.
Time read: 8,41
